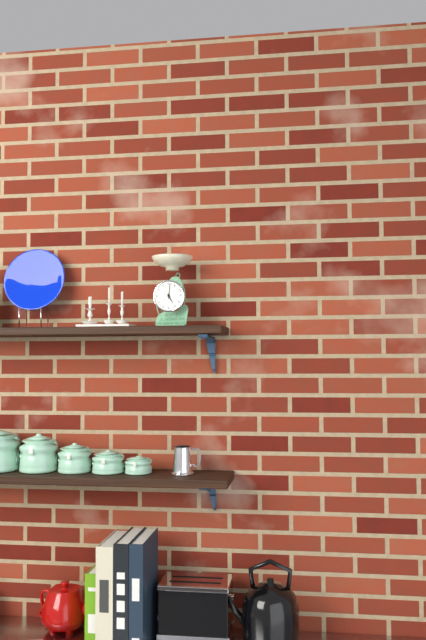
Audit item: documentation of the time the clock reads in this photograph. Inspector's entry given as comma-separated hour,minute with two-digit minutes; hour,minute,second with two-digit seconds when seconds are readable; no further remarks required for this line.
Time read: 5,01
